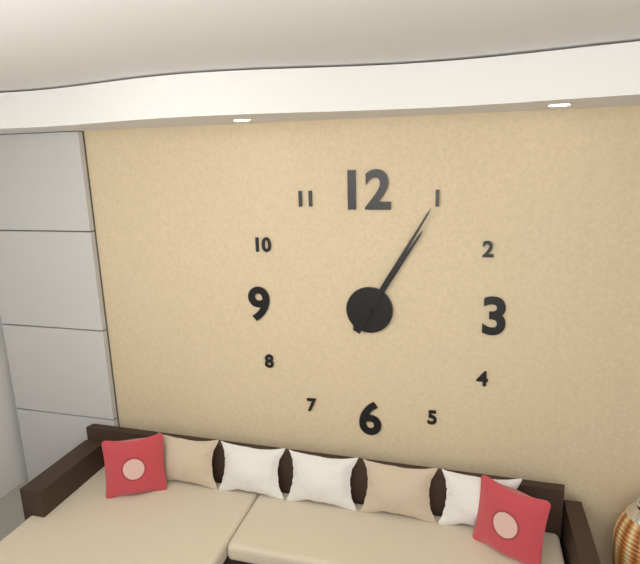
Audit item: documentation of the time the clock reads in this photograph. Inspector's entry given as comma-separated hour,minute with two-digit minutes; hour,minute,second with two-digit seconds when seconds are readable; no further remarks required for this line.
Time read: 1,05
